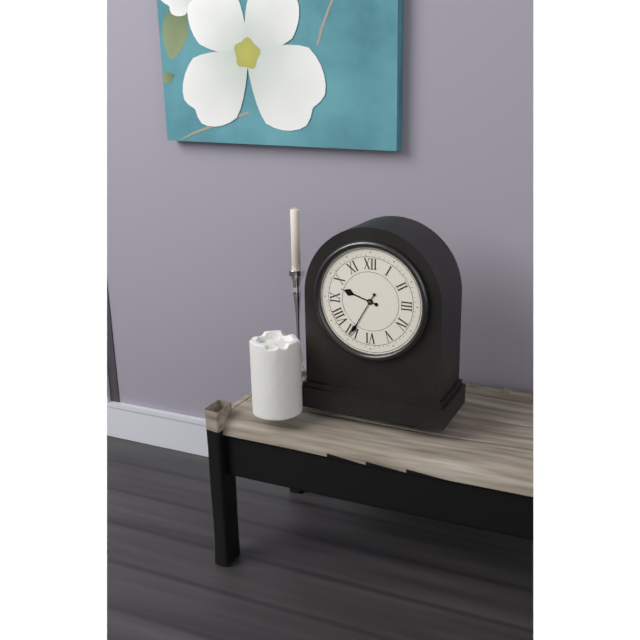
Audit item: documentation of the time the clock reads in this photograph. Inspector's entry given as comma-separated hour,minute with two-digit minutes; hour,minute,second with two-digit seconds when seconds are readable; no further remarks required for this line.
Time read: 9,35
